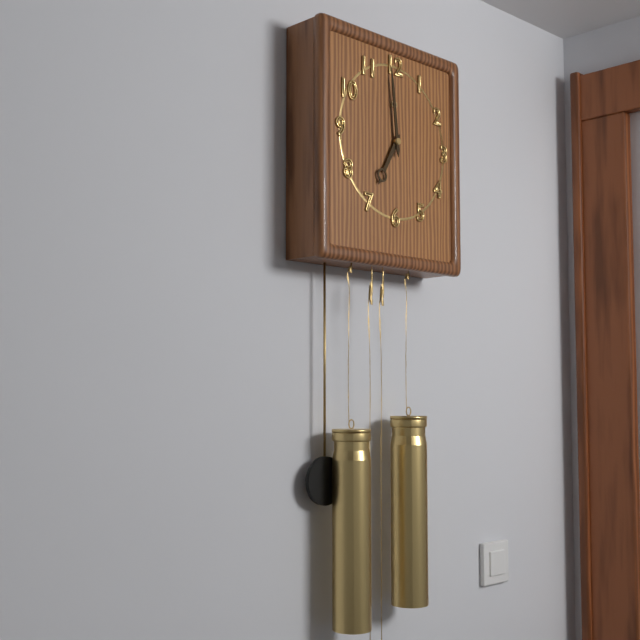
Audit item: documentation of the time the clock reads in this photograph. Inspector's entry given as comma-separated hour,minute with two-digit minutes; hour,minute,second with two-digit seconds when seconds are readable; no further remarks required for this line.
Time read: 6,59
